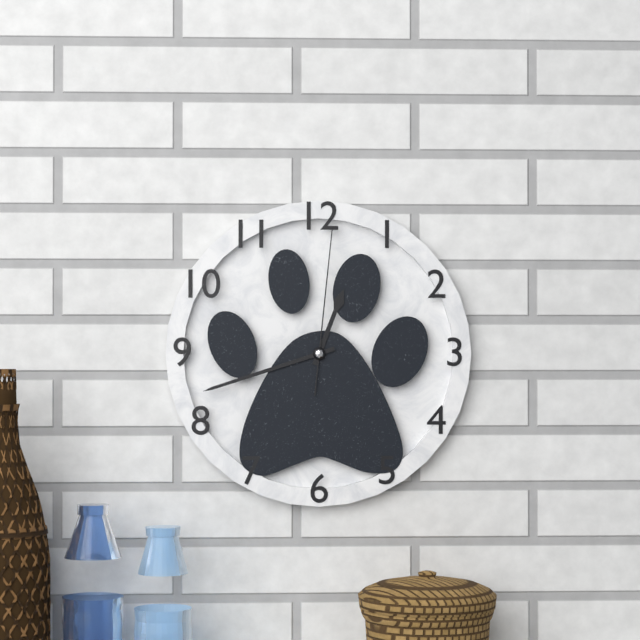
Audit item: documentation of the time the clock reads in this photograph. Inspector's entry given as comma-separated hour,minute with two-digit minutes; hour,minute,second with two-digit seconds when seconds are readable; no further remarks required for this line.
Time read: 12,42,01
